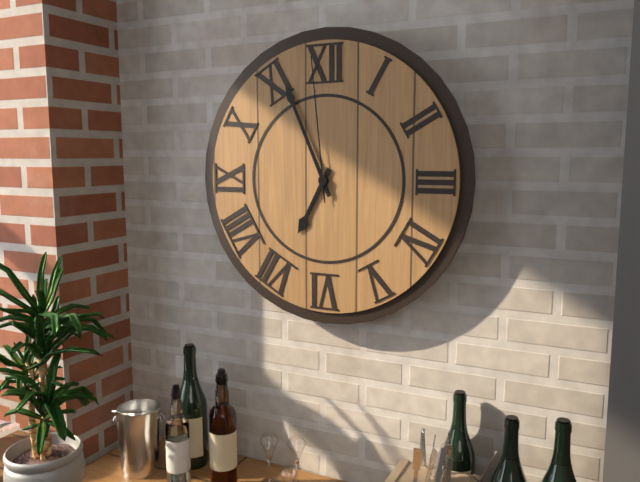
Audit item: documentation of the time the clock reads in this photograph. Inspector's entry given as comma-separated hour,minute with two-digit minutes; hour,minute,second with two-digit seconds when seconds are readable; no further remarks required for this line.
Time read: 6,56,59
